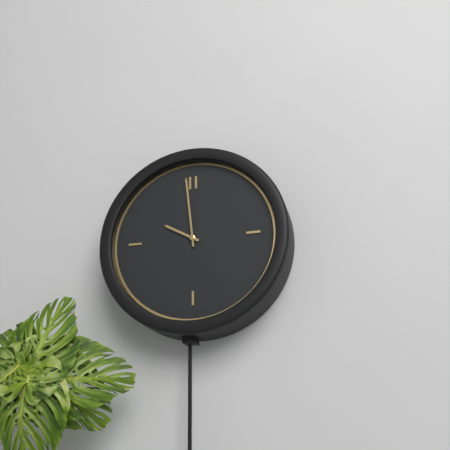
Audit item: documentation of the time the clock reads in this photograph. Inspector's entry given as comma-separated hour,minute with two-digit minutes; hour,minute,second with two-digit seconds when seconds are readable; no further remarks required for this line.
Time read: 9,59
